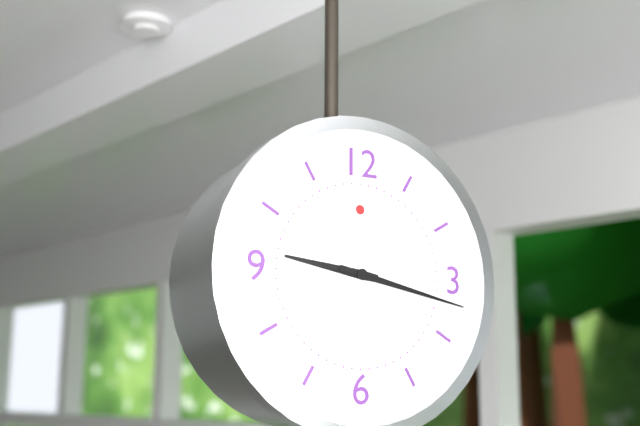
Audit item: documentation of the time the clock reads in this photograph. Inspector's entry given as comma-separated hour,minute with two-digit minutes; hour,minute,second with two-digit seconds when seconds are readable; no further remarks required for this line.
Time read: 9,17
